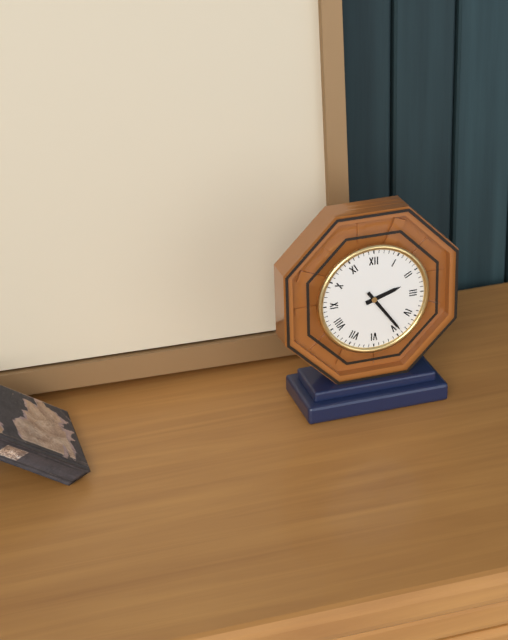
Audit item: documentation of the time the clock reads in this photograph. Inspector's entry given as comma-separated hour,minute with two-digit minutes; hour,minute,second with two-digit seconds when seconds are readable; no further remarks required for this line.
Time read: 2,24
